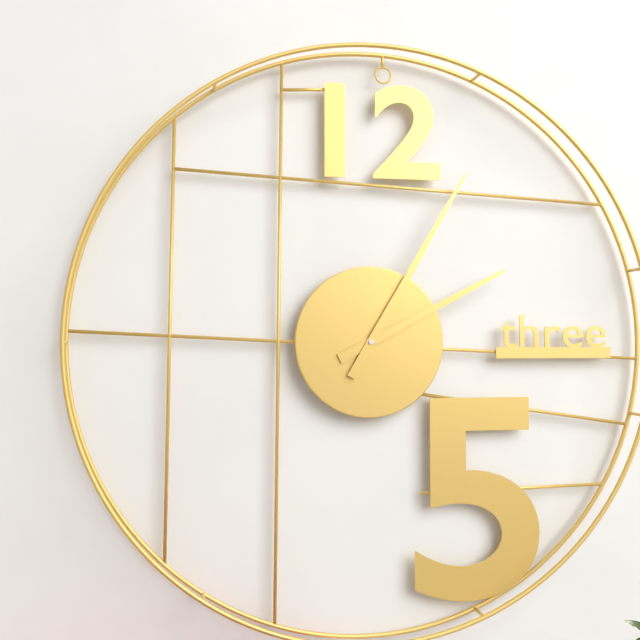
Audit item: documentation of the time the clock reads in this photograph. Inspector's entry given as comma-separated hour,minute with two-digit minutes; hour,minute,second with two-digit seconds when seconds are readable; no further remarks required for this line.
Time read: 2,05
